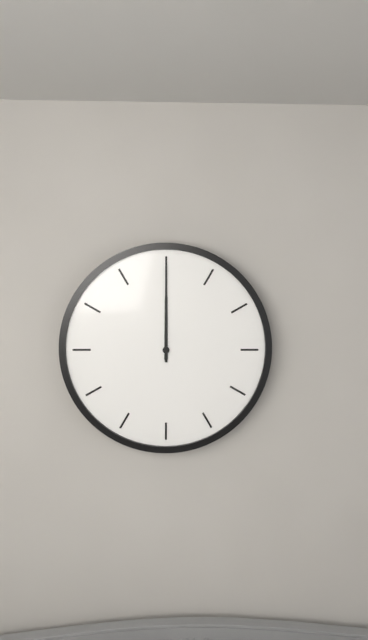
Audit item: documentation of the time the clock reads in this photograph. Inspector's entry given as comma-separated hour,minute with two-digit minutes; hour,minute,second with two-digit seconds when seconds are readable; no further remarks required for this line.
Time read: 12,00
